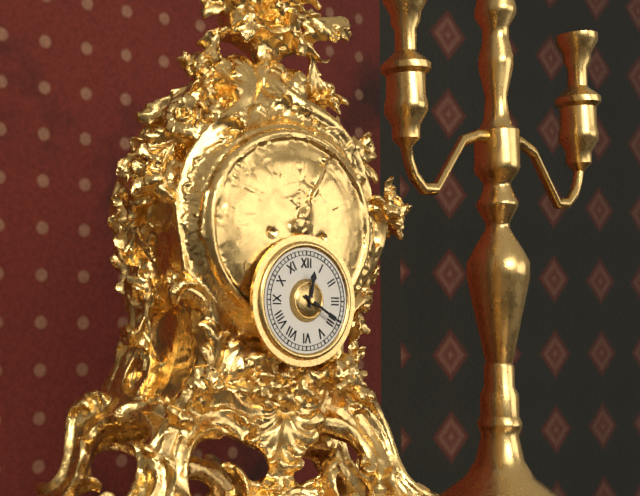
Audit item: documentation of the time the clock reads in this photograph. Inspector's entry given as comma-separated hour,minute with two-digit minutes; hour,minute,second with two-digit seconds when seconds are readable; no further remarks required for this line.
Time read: 12,20
